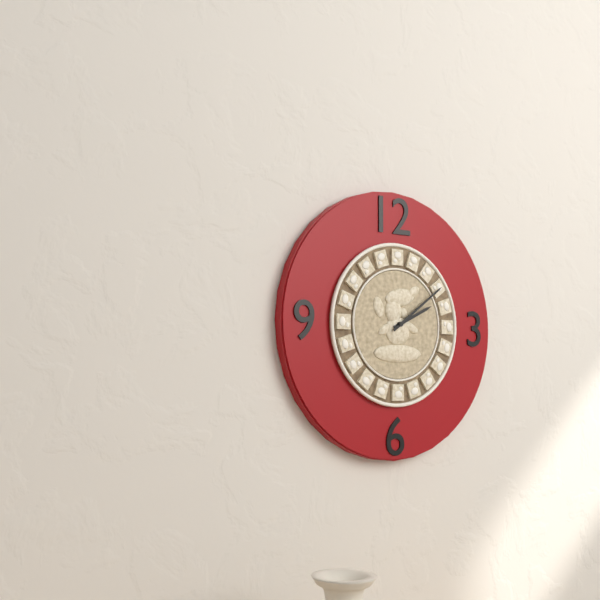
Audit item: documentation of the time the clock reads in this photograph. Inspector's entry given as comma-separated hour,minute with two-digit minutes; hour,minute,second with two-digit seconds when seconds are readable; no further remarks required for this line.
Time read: 2,09
